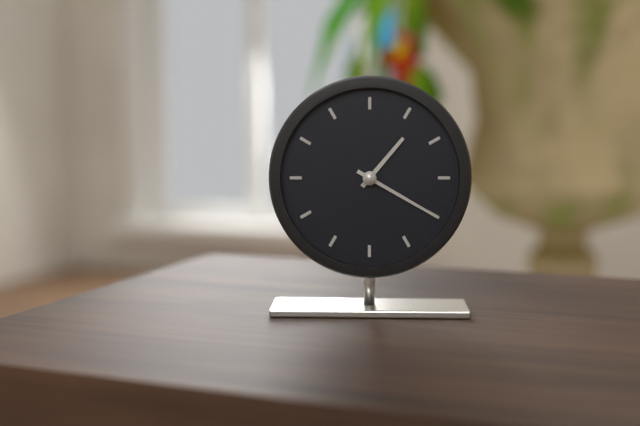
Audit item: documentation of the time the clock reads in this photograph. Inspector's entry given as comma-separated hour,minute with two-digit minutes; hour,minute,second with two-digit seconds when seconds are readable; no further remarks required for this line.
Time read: 1,20
